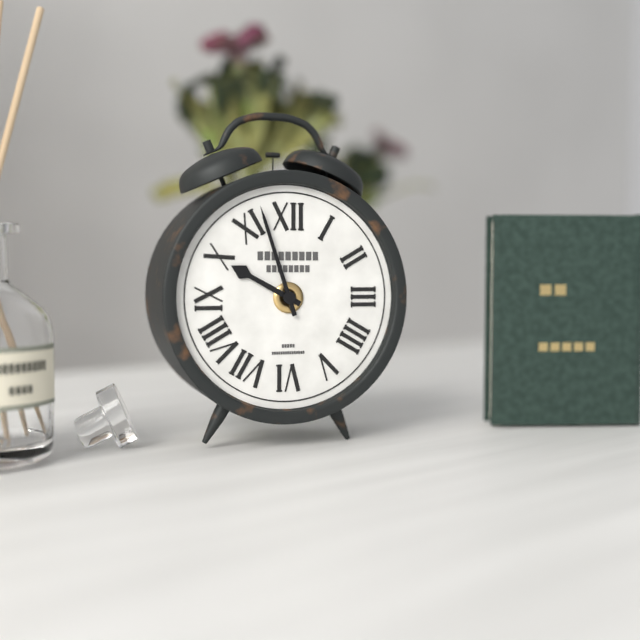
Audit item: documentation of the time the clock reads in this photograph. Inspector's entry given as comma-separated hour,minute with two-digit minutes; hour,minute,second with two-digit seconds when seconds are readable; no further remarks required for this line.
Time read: 9,57
